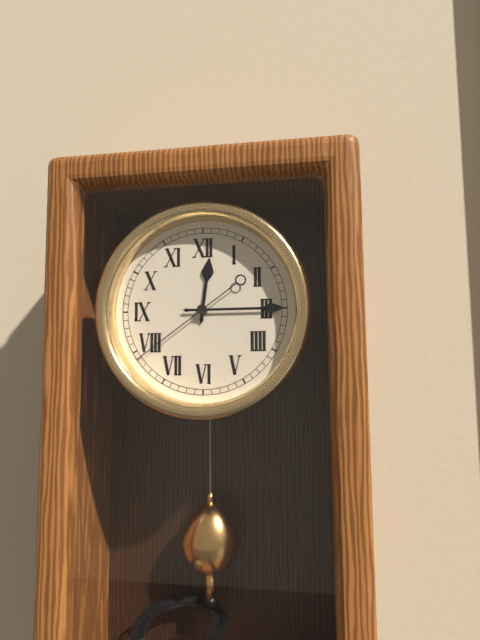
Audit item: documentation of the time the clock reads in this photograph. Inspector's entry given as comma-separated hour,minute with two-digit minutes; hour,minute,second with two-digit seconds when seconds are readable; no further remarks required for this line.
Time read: 12,15,39
